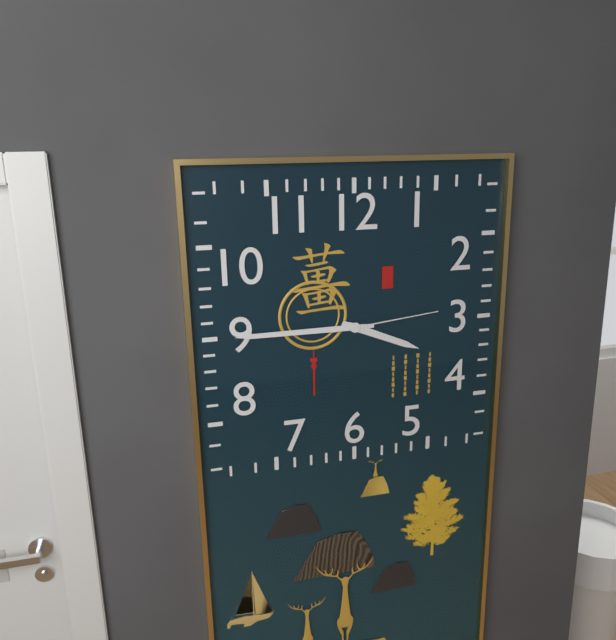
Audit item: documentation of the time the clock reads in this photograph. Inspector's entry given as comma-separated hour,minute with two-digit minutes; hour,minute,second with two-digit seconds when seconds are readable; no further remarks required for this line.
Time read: 3,45,14
